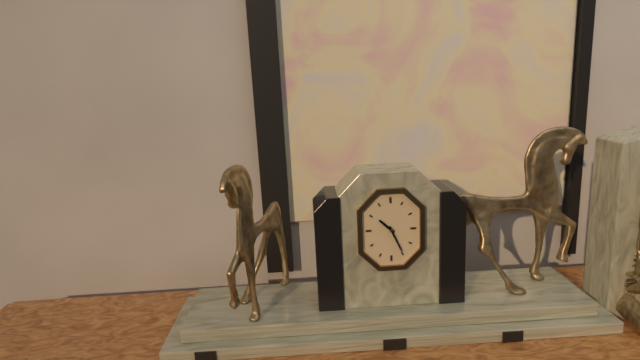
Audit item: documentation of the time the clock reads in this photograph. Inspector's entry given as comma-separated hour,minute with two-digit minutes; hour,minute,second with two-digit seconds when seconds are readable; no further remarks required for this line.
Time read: 10,26
